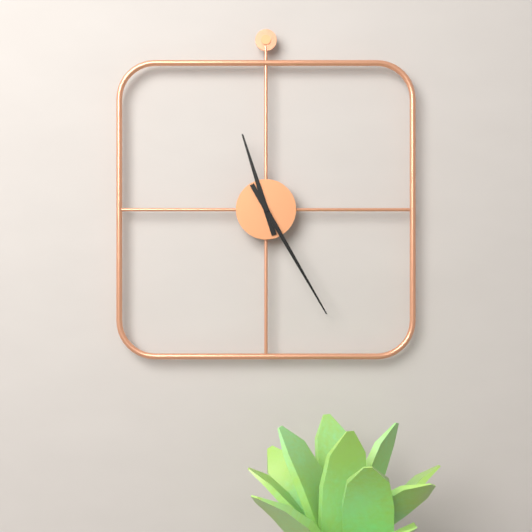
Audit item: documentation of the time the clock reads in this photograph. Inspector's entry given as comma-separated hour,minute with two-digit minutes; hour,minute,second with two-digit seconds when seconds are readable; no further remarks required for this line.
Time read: 11,25
